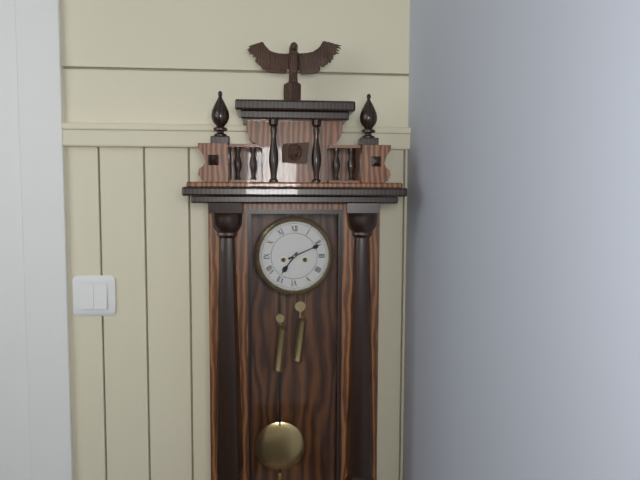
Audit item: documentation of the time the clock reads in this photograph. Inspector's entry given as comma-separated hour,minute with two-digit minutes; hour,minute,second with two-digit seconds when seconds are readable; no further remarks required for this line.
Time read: 7,11
